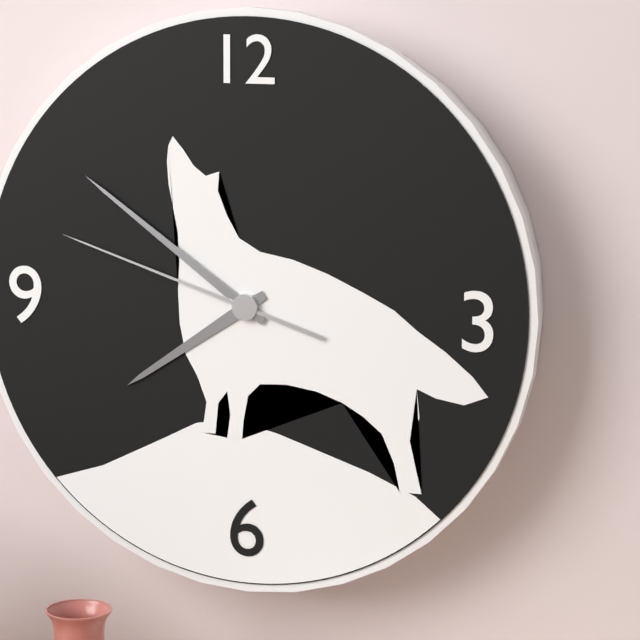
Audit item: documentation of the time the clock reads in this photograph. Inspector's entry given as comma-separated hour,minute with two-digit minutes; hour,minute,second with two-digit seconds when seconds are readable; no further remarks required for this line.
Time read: 7,51,48
